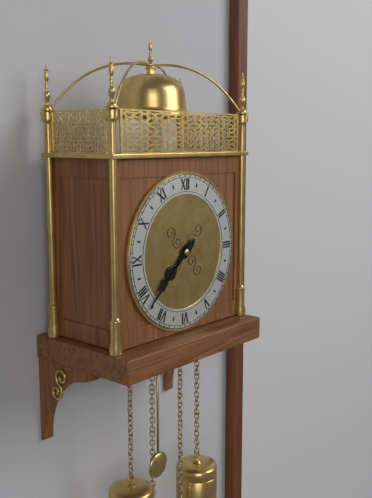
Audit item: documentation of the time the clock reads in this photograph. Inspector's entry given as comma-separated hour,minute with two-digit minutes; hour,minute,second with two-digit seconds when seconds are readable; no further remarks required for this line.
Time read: 7,38
